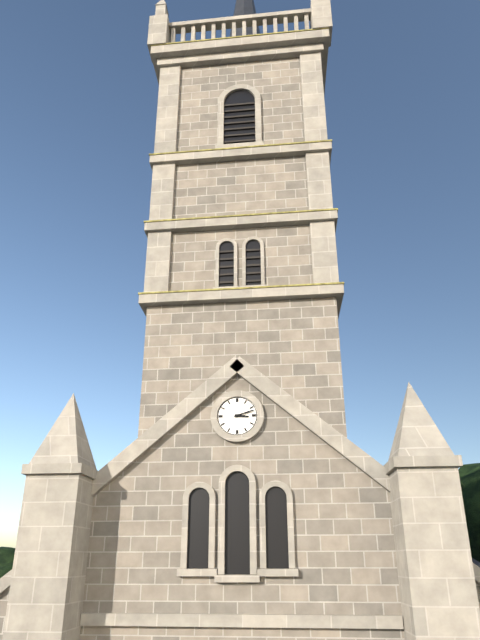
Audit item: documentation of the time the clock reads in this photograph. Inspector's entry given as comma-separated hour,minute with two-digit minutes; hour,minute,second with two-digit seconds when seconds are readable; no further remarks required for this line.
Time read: 3,12
